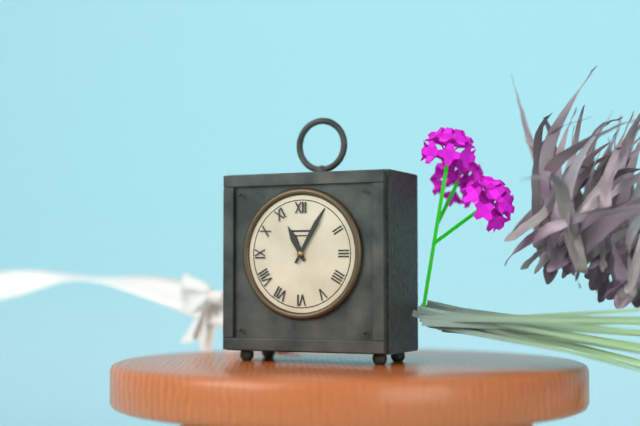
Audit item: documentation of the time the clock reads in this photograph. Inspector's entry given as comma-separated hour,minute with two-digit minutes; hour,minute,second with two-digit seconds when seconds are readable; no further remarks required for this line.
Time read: 11,05
